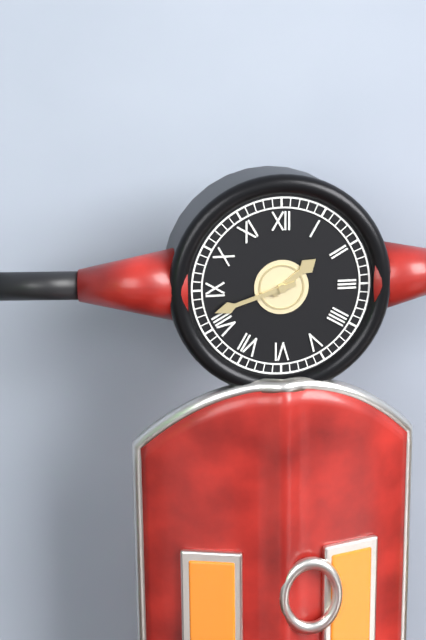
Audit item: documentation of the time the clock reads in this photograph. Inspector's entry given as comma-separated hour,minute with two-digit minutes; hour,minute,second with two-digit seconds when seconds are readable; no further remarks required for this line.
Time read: 1,42
